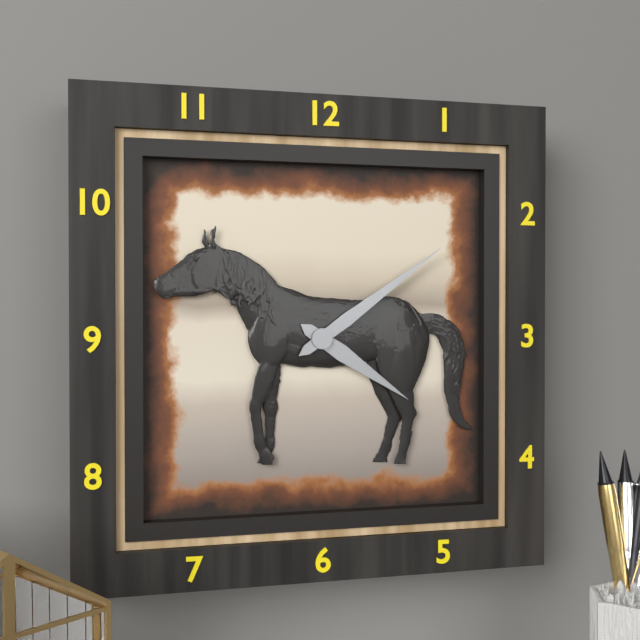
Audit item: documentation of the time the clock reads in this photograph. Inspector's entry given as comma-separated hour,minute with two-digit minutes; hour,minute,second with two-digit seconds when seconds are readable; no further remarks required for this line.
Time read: 4,09
